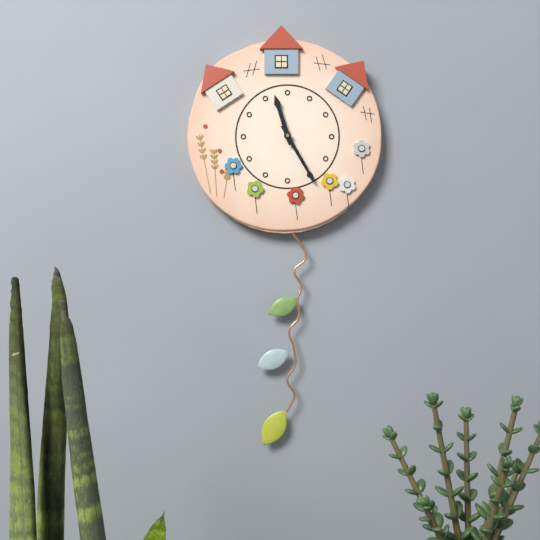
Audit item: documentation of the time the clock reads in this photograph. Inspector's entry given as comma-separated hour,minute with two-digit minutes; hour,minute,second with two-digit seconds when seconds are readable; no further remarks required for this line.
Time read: 11,25
